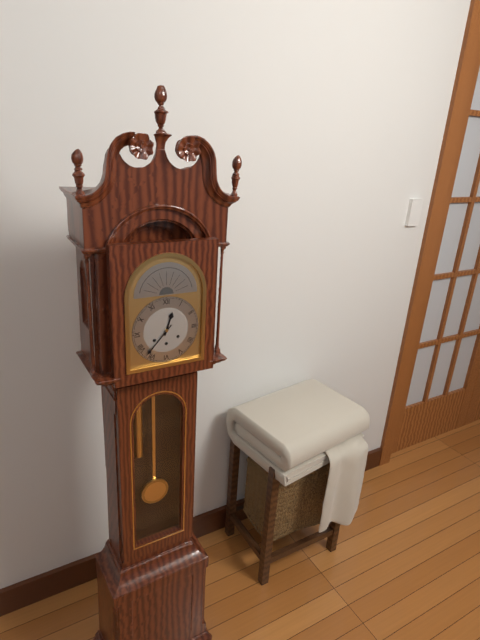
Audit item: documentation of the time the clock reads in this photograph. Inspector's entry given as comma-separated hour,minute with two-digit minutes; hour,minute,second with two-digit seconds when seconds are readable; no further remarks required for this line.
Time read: 12,37
